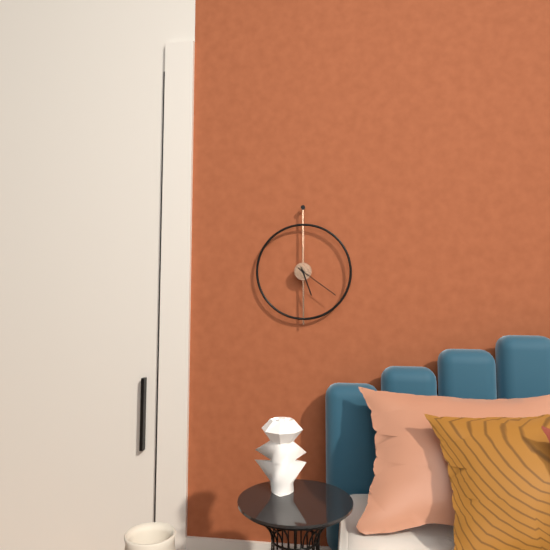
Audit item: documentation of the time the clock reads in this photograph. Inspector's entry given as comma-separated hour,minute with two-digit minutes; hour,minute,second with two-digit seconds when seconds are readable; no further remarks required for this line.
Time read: 5,21
